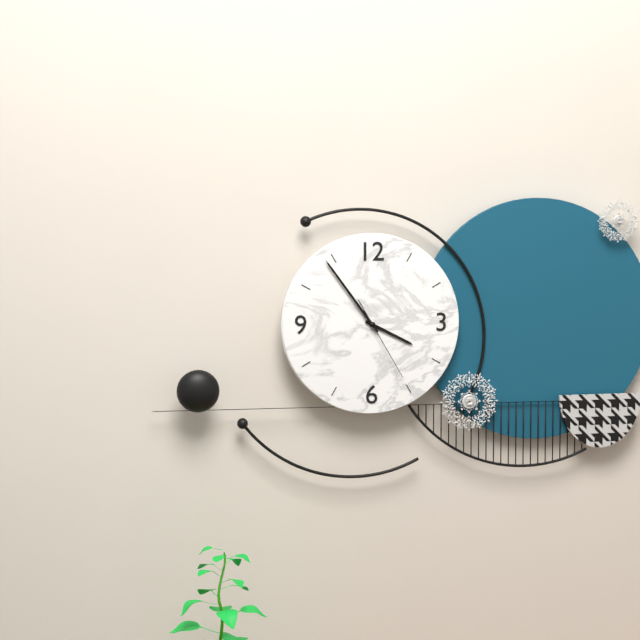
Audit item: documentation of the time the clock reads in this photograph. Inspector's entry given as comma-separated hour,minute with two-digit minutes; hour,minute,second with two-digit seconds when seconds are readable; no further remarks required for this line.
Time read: 3,54,25
